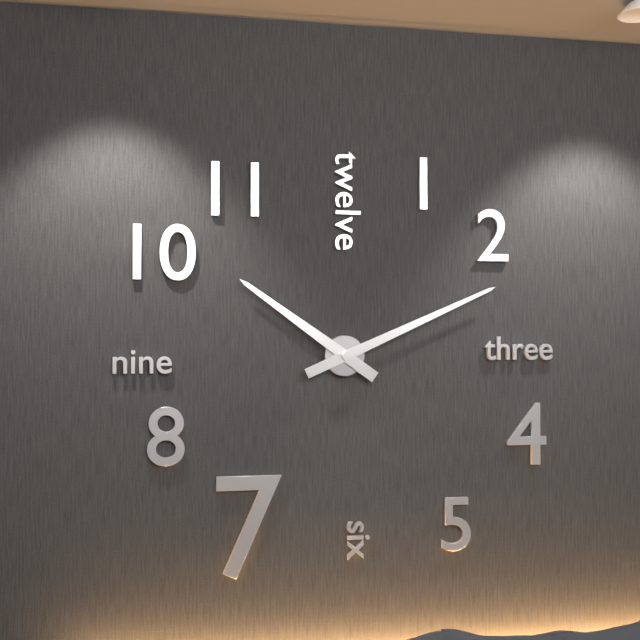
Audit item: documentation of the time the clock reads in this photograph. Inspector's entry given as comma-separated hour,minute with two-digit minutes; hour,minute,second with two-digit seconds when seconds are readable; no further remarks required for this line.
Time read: 10,11
